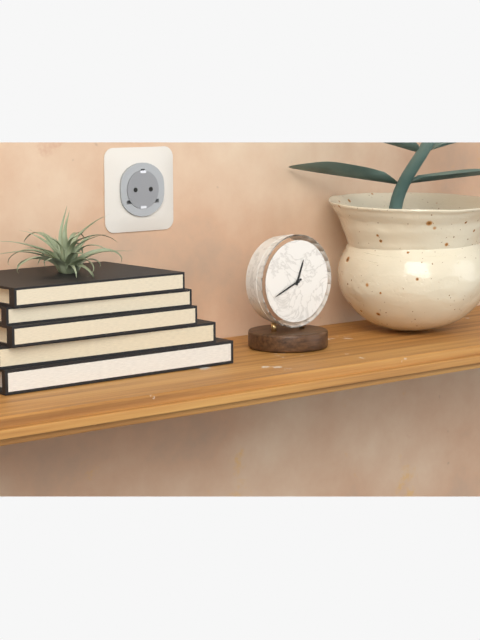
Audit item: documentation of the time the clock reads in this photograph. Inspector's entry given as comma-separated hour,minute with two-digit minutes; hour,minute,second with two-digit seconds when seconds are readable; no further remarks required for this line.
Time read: 12,41
